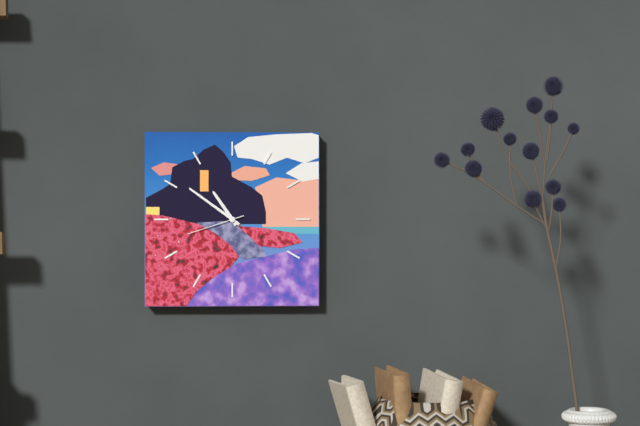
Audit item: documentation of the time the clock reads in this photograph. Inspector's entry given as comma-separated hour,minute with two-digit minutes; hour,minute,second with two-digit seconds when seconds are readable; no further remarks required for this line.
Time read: 10,51,42
